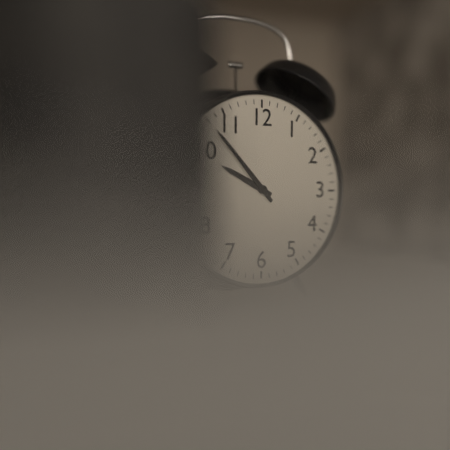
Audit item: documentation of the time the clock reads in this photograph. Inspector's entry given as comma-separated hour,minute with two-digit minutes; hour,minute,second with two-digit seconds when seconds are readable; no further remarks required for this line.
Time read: 9,53
